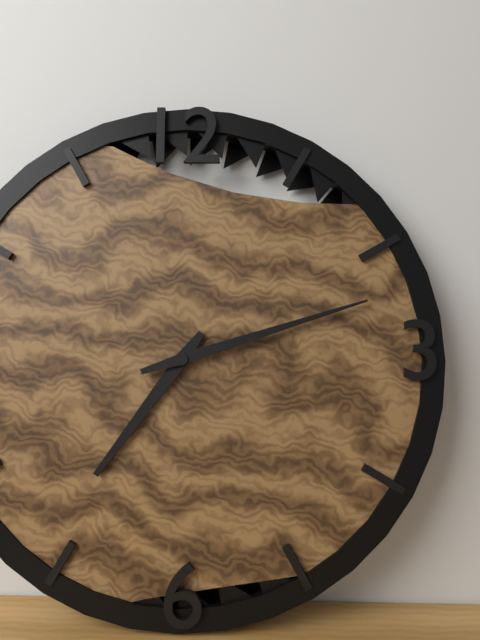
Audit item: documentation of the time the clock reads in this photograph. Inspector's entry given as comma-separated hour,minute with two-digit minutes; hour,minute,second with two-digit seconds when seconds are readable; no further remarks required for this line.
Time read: 7,12
